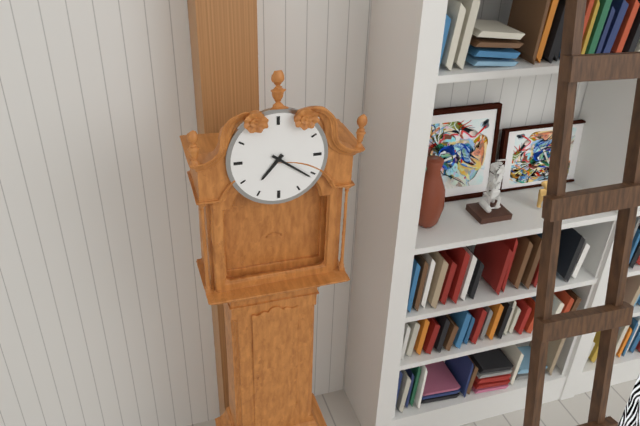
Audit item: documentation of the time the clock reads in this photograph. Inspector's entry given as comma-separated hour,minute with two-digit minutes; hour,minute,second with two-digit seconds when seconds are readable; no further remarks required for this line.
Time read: 7,21
